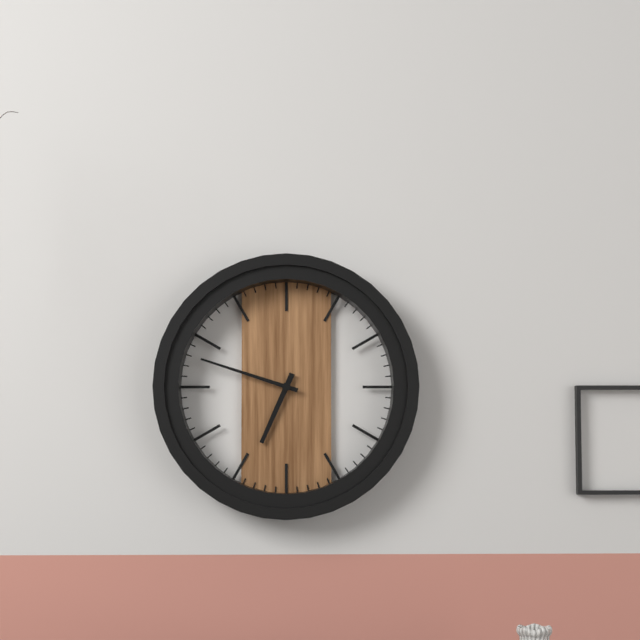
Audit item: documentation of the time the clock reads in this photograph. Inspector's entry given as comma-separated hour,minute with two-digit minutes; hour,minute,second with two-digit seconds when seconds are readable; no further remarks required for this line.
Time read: 6,48
